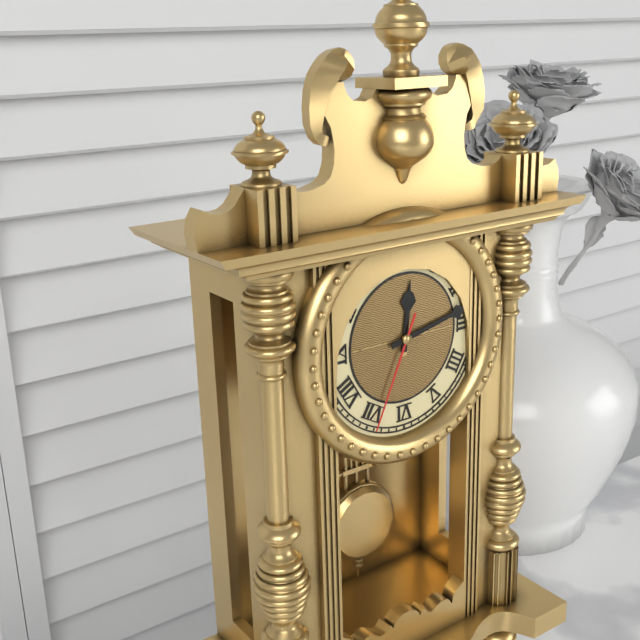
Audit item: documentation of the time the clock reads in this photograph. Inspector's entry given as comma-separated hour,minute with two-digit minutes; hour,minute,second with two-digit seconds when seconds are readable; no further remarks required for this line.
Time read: 12,13,34
